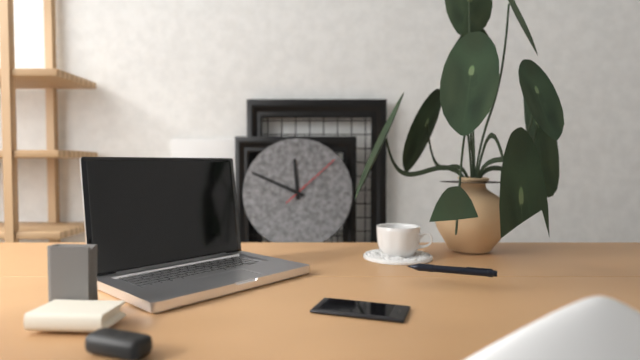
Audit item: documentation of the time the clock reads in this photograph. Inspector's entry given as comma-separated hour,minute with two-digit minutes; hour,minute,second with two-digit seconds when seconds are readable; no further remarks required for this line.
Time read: 11,49,08
